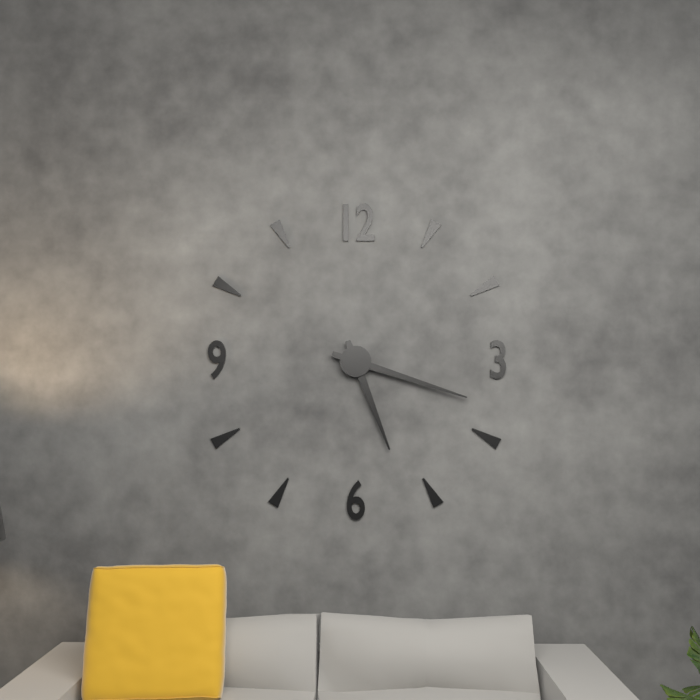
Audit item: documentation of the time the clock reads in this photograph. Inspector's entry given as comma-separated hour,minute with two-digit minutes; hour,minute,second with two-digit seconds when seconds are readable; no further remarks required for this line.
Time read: 5,18
